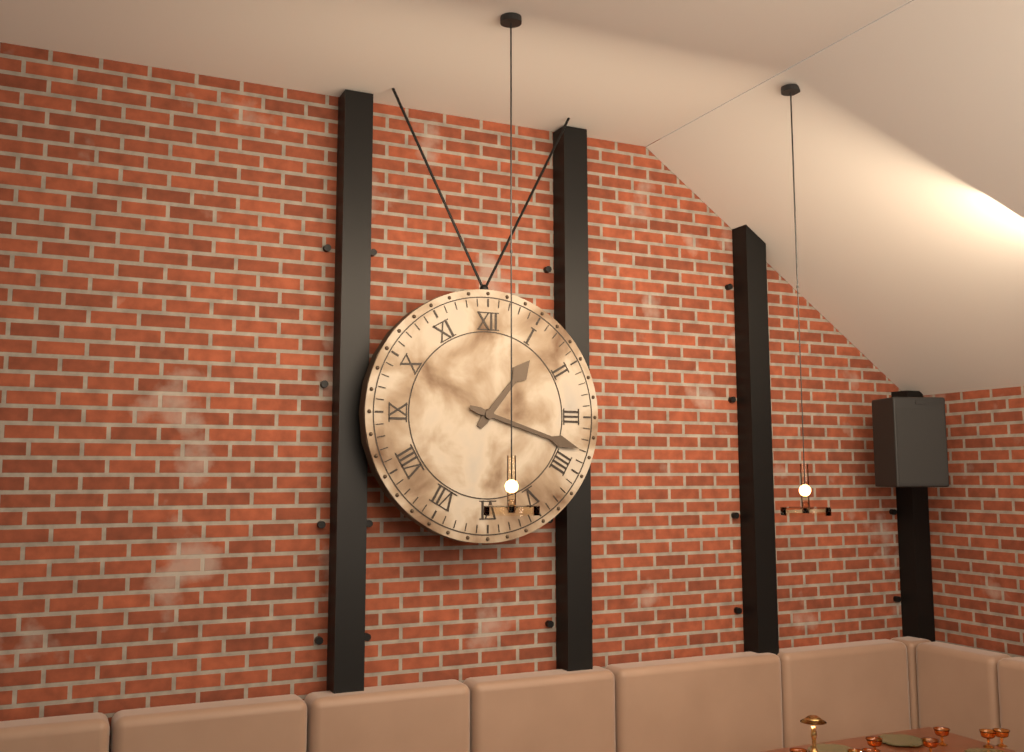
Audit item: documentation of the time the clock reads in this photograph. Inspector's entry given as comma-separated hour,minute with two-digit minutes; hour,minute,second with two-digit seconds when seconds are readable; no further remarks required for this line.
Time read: 1,18
